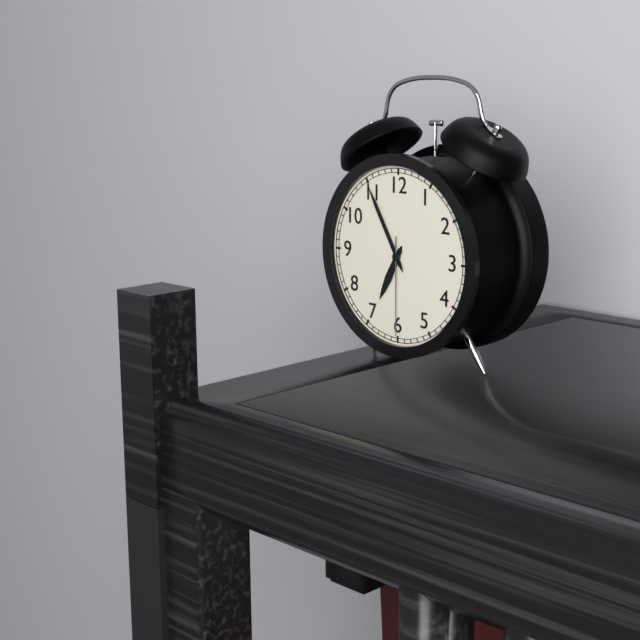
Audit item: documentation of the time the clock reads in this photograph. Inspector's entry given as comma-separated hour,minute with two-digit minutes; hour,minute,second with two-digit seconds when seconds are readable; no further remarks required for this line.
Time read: 6,55,30
